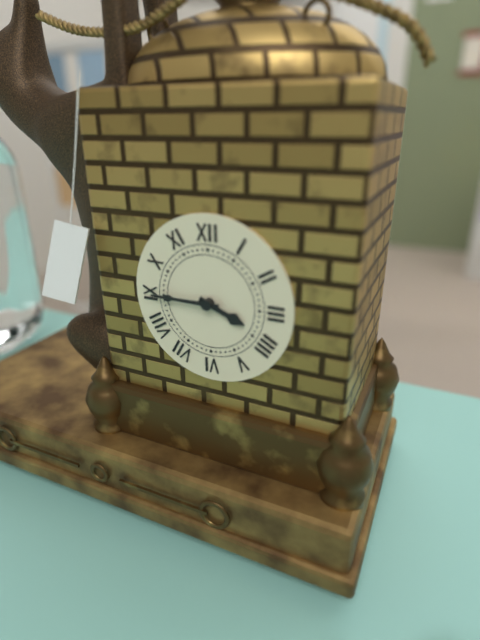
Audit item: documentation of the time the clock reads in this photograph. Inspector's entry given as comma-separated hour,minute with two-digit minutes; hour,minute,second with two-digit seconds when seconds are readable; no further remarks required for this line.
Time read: 3,45
